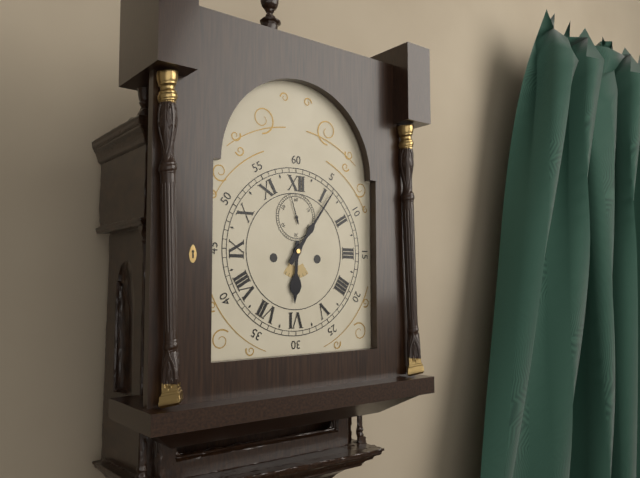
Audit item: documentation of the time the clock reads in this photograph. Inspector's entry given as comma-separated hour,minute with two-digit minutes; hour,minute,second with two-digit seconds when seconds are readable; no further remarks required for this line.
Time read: 6,06
